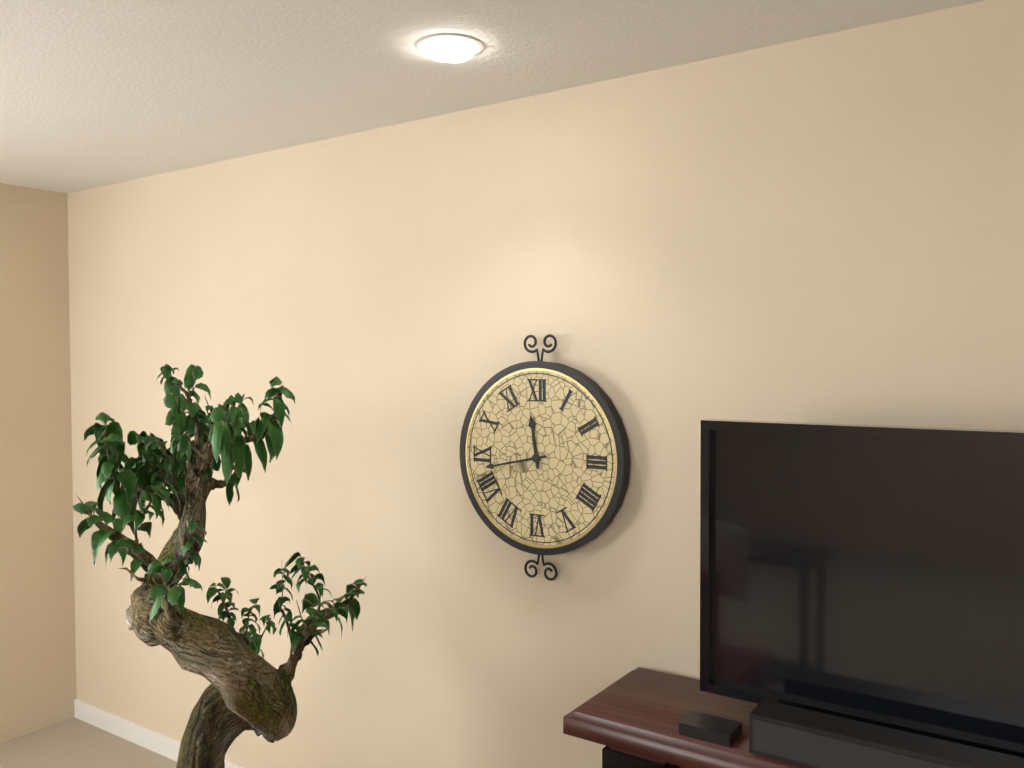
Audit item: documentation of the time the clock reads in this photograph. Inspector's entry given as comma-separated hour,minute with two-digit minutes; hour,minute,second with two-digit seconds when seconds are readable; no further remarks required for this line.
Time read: 11,43
